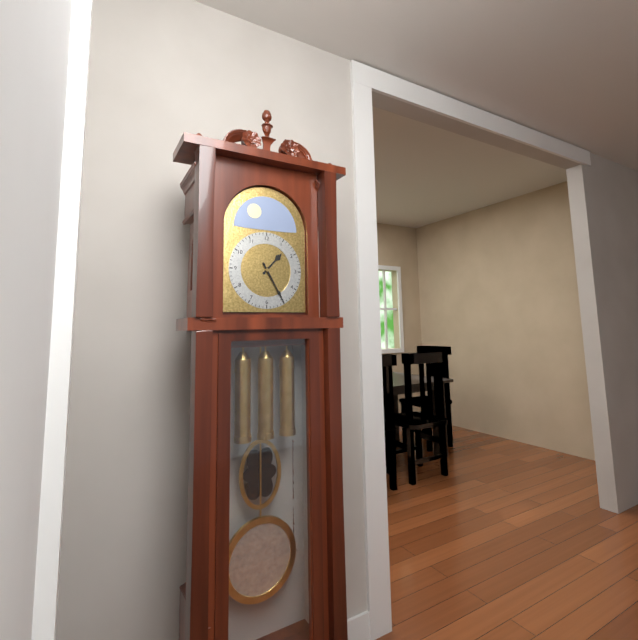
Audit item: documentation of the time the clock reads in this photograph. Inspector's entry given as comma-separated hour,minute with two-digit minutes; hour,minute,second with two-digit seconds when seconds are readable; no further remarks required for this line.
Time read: 1,25
